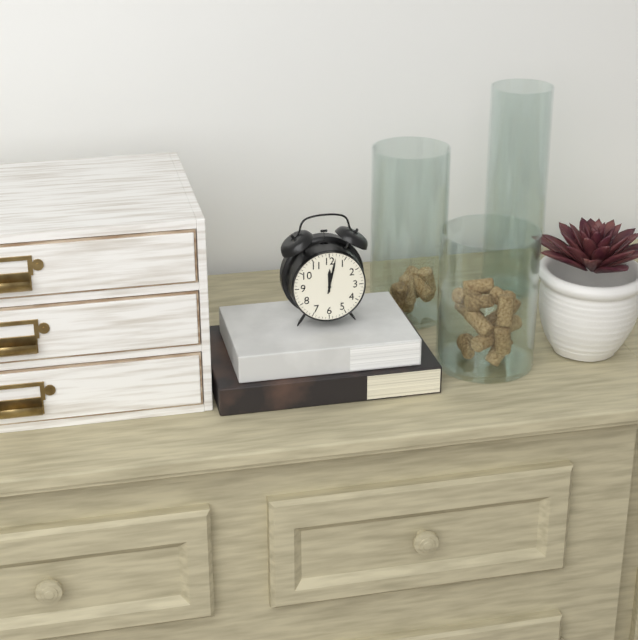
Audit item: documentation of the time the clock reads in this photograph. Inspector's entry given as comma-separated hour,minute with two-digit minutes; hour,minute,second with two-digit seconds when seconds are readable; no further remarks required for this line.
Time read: 12,02
